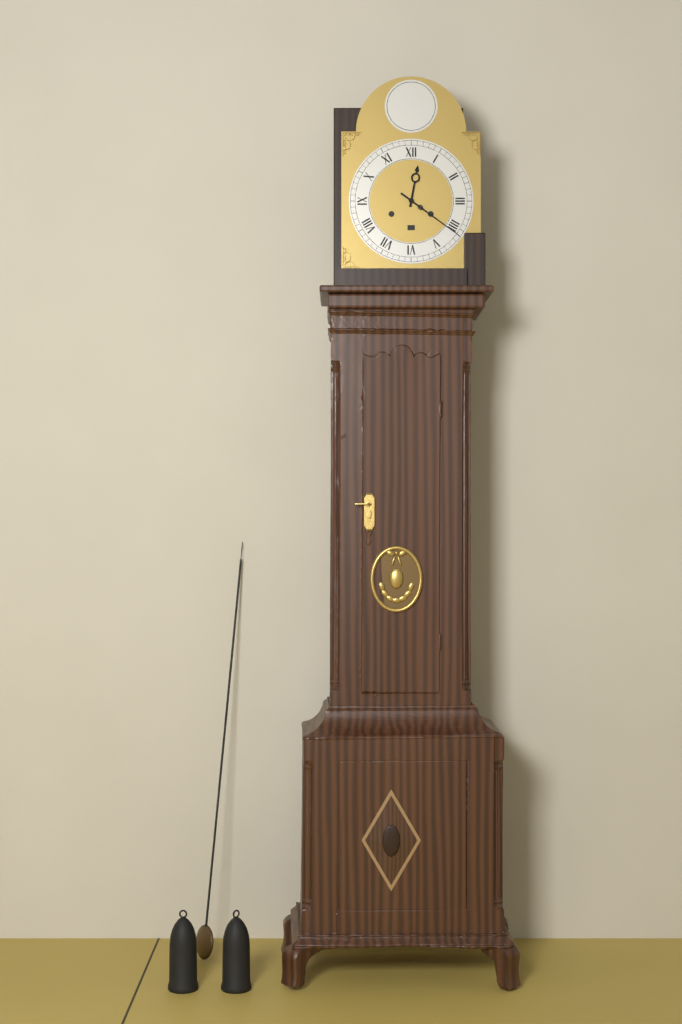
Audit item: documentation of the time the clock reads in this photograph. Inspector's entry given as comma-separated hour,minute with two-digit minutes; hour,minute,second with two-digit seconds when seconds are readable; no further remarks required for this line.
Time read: 12,21
